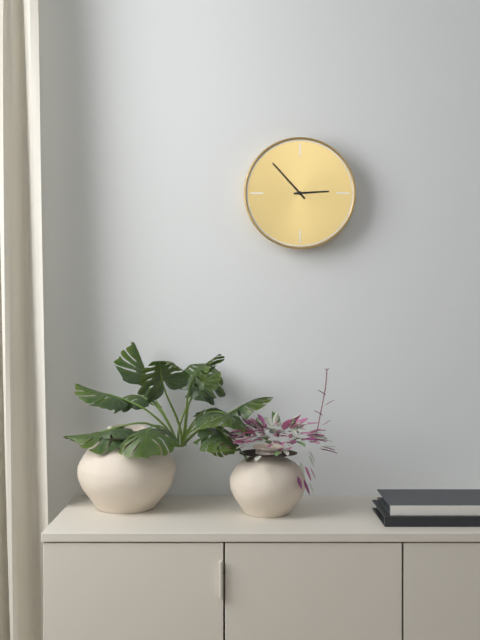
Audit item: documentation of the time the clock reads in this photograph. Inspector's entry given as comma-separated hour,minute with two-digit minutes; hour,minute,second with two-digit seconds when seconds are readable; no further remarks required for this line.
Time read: 2,53
